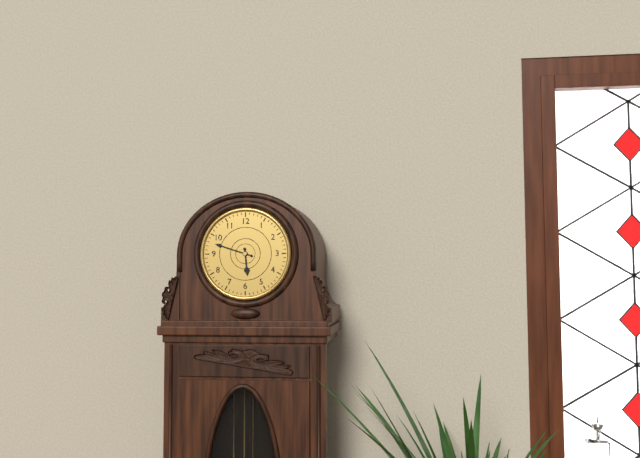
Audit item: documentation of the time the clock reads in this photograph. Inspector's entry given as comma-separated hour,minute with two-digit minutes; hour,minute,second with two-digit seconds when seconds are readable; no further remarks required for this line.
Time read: 5,48
